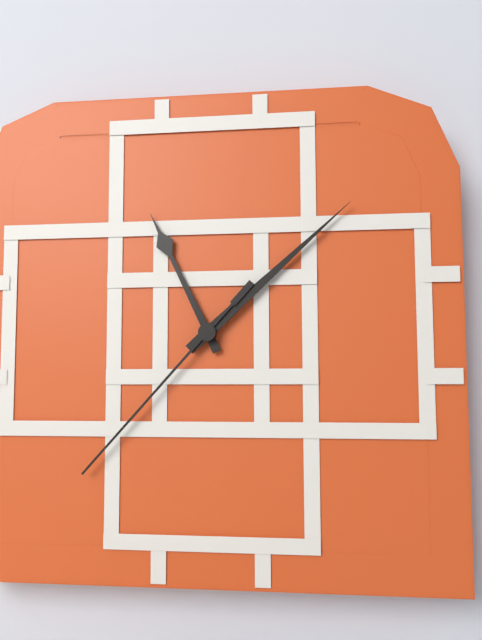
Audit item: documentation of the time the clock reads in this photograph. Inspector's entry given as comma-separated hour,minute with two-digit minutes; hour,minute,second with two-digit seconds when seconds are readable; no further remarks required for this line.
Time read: 11,08,37
